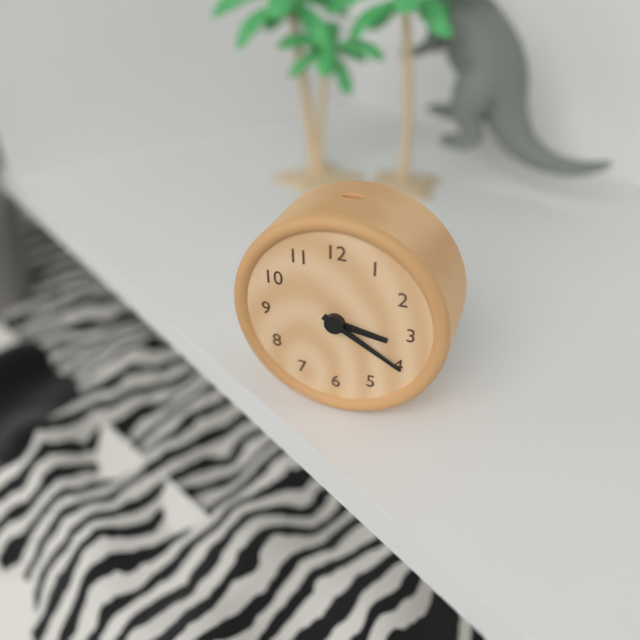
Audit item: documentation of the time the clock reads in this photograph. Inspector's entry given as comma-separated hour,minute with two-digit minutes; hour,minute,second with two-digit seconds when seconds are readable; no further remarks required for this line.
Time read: 3,20
